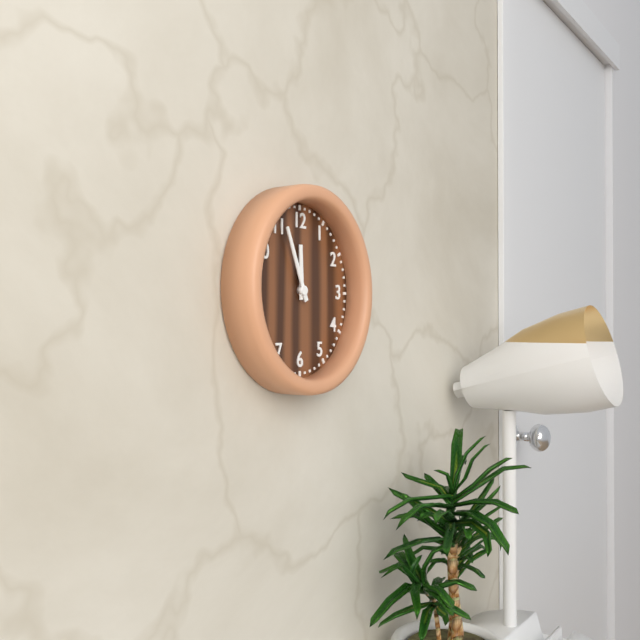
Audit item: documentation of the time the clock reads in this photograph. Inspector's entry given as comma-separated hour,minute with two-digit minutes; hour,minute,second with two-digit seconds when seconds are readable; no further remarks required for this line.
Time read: 11,56
